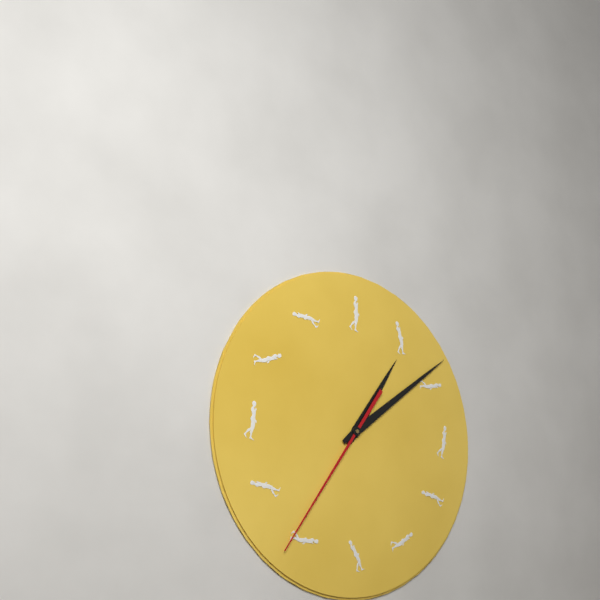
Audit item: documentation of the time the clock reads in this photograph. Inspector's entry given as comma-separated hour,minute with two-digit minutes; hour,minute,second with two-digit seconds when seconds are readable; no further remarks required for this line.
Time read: 1,09,36
